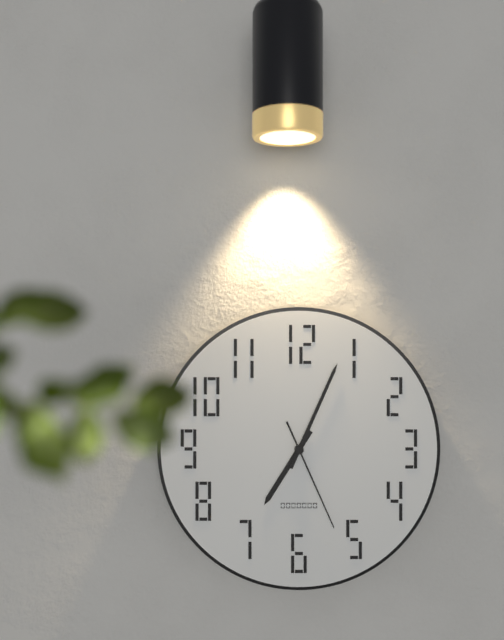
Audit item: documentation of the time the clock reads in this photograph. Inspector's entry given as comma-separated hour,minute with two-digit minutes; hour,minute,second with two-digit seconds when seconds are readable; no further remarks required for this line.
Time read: 7,04,26
